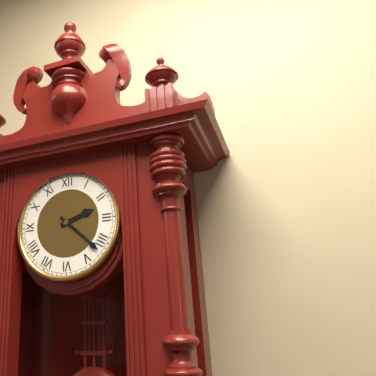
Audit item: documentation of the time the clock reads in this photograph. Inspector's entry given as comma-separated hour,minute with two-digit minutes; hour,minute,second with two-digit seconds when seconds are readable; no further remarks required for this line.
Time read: 2,22
